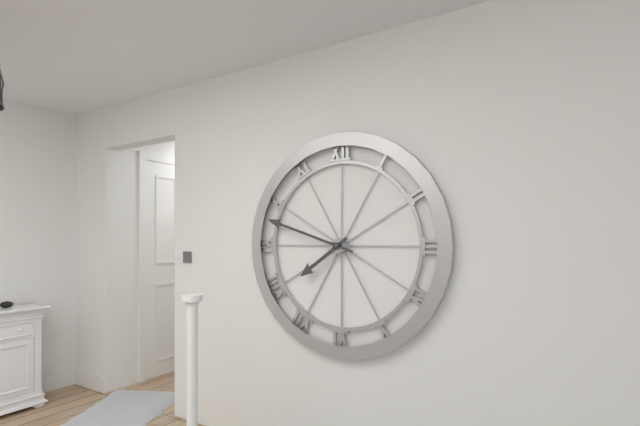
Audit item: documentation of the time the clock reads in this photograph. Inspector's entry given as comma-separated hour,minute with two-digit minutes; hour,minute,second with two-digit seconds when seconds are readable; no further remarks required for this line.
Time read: 7,48
